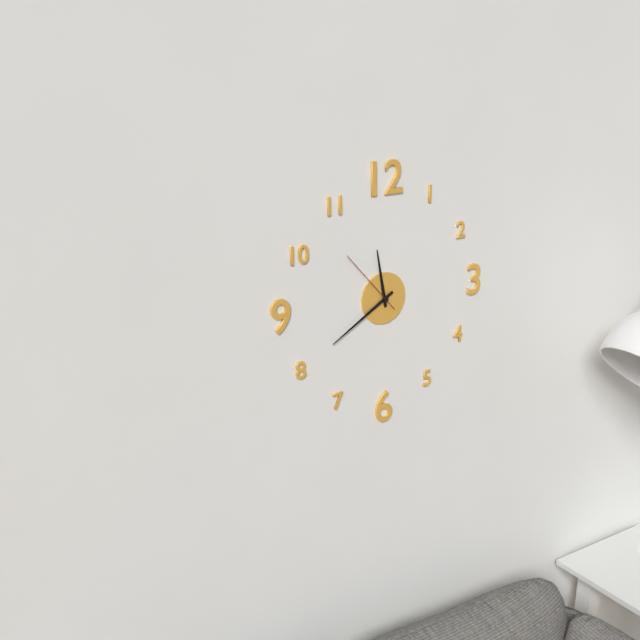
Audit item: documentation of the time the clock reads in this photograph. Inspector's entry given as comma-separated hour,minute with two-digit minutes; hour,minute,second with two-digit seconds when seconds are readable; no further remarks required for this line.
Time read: 11,40,53
